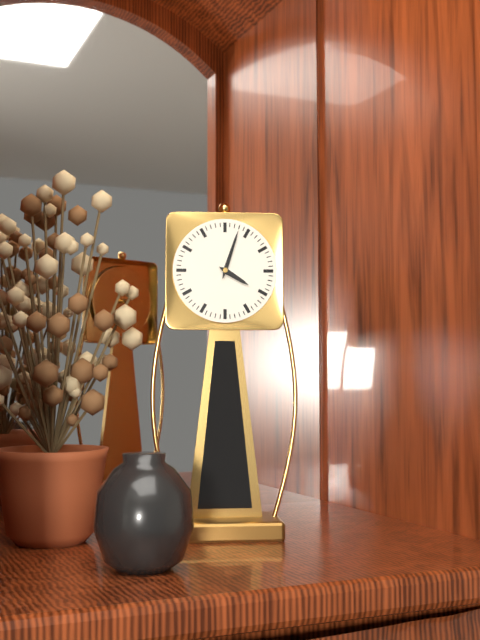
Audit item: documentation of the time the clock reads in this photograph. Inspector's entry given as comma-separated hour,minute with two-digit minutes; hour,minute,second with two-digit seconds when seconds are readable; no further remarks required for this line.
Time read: 4,03
